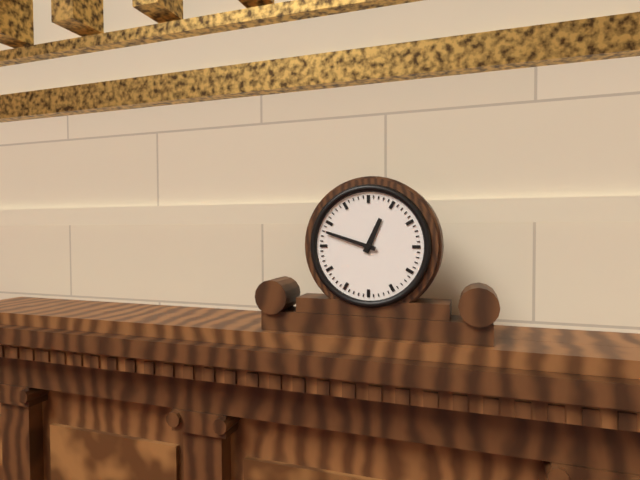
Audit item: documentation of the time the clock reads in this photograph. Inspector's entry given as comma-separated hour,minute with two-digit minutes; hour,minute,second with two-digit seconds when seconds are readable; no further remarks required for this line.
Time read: 12,48
